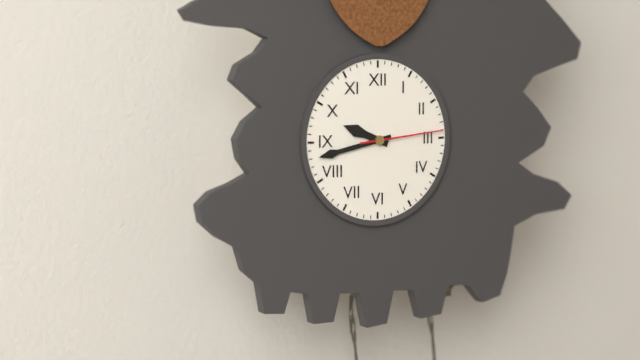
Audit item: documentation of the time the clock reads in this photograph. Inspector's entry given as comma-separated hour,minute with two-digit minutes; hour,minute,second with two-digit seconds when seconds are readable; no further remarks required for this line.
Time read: 9,43,14
